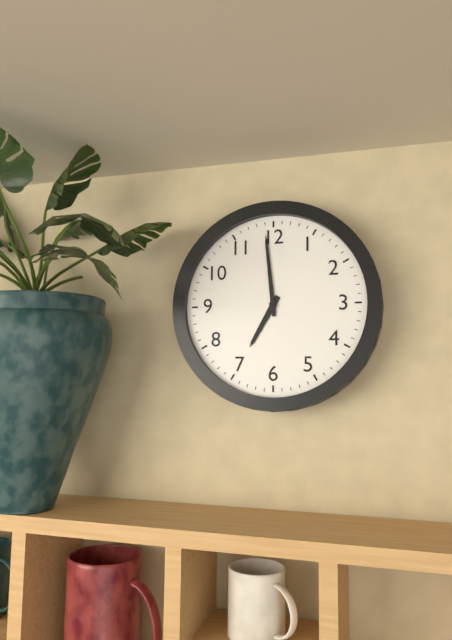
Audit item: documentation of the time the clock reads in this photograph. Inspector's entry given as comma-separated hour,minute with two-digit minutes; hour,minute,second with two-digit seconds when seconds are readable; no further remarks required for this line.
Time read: 6,59
